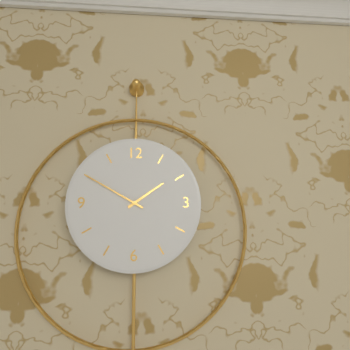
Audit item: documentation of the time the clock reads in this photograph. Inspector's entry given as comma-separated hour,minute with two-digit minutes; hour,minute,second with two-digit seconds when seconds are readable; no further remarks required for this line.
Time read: 1,50
